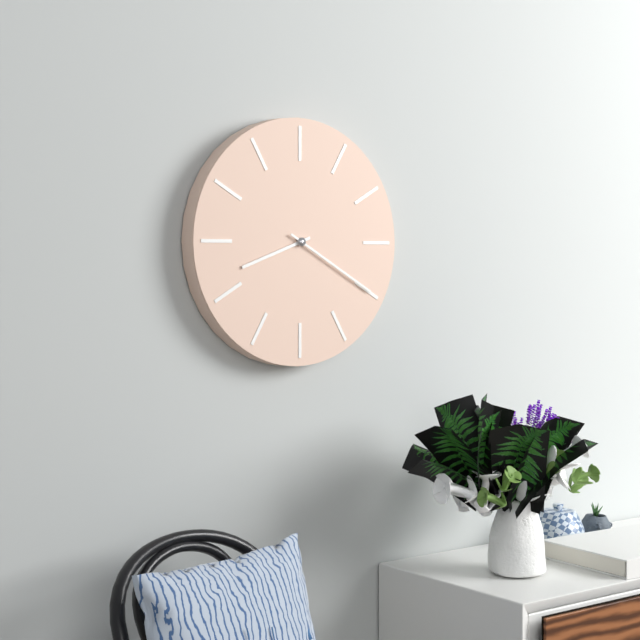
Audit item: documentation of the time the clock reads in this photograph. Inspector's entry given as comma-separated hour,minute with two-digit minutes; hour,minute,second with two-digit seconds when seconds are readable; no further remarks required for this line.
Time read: 8,20
